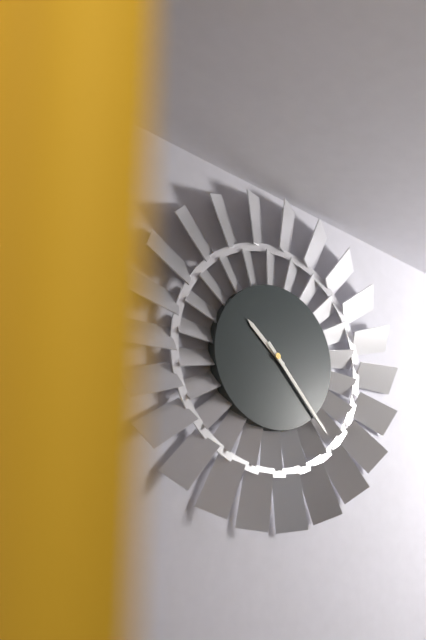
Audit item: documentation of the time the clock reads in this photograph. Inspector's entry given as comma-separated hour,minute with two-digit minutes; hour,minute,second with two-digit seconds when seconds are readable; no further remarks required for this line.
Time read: 10,23
